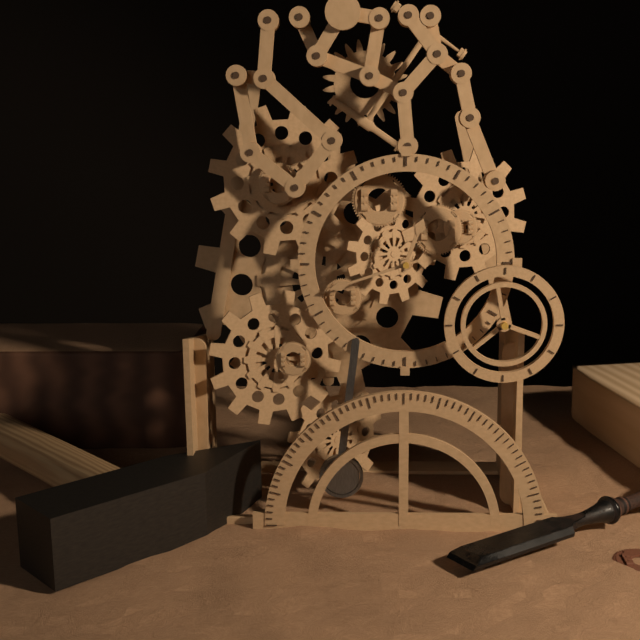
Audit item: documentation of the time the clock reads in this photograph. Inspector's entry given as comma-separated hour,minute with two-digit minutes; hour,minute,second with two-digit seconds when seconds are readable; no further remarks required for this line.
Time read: 12,42
